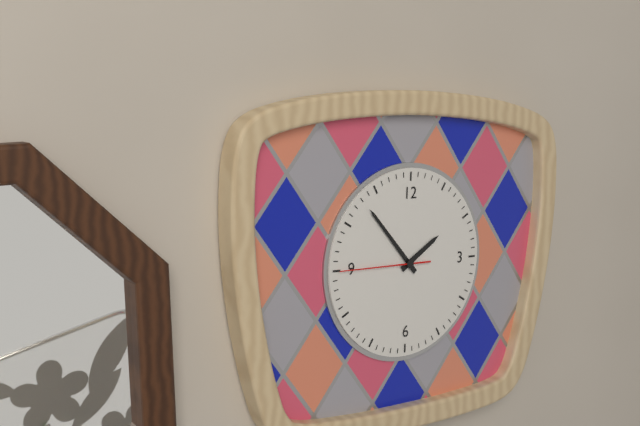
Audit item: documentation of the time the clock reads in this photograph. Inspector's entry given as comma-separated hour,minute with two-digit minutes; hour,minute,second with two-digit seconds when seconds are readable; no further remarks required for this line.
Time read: 1,53,45
